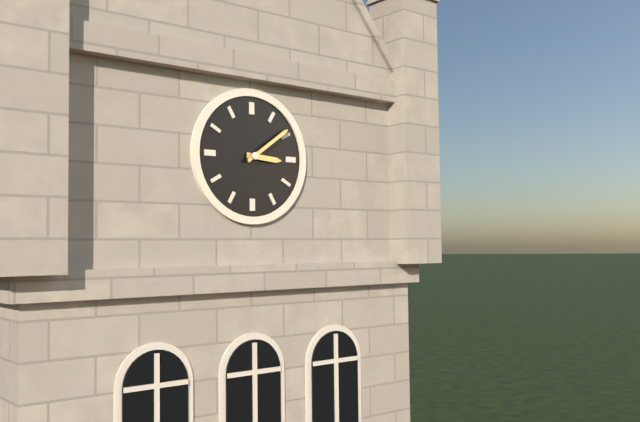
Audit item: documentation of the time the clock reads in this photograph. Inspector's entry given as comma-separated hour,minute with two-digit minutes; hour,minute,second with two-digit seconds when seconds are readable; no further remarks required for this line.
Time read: 3,09
